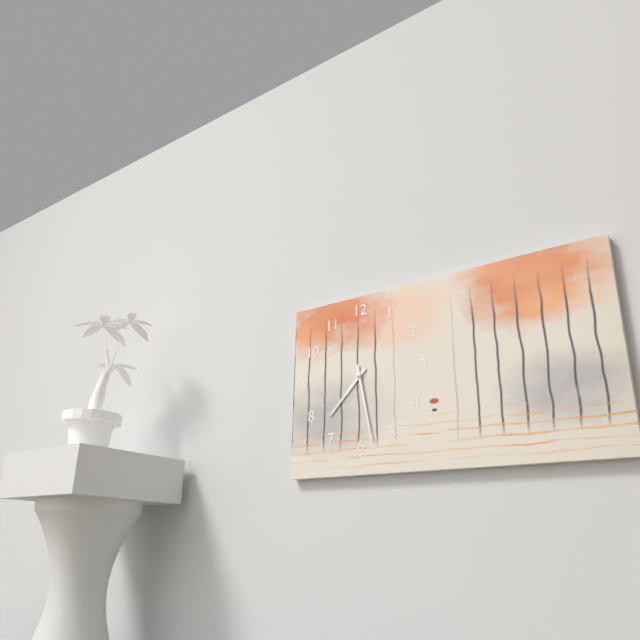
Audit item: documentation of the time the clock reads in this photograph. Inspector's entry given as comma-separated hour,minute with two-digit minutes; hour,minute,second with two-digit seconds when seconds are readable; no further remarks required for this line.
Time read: 7,28
